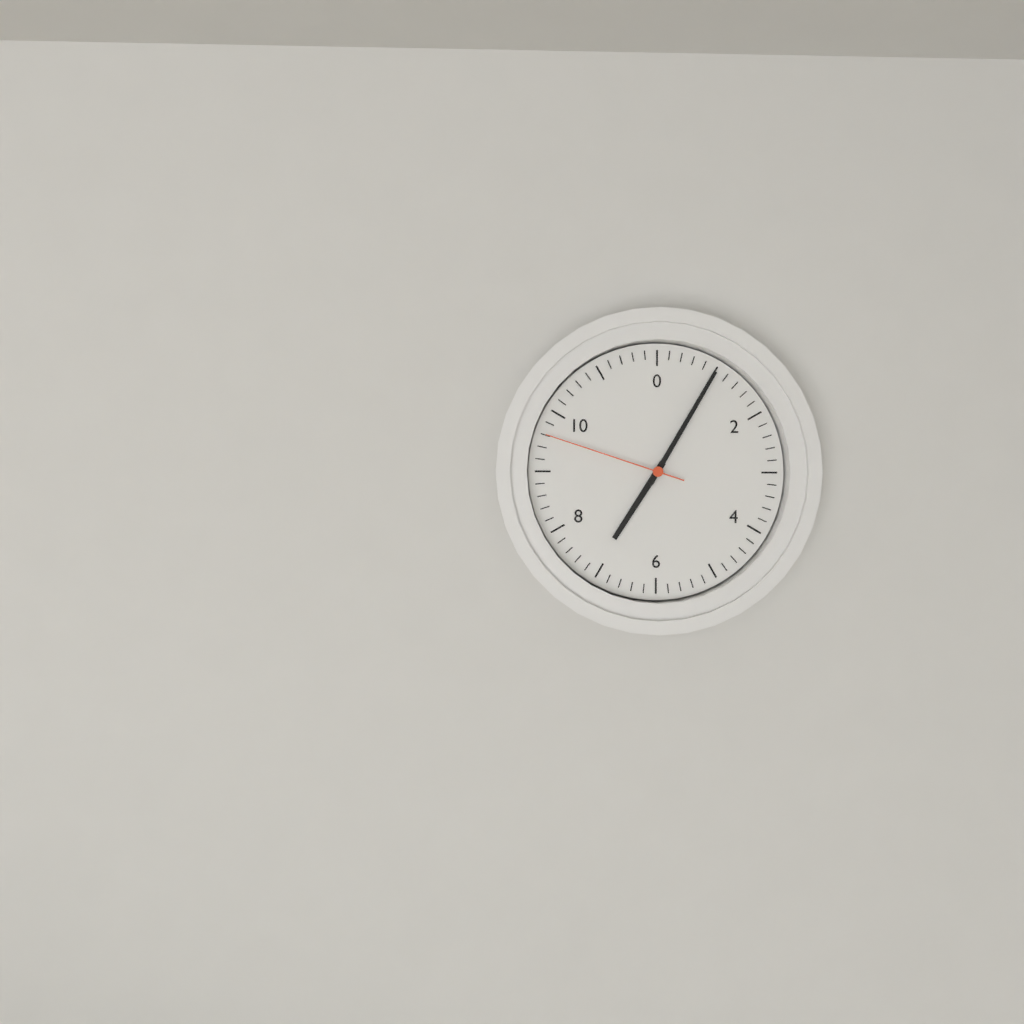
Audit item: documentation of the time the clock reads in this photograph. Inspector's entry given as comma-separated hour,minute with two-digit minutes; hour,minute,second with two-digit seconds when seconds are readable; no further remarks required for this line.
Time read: 7,05,48
